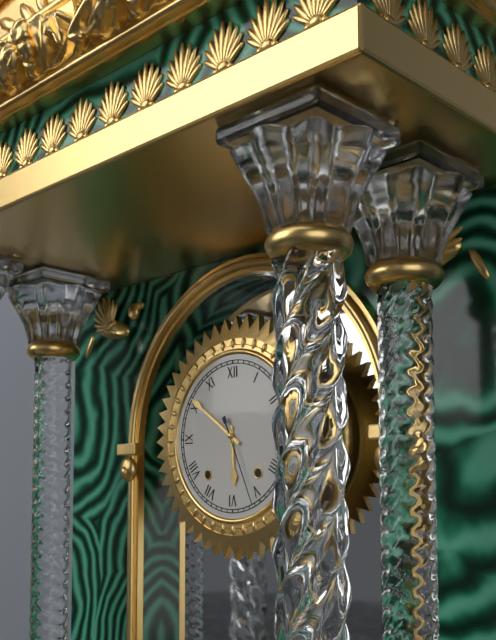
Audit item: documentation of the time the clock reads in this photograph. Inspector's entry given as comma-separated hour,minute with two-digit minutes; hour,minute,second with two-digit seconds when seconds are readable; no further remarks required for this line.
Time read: 5,51,26
